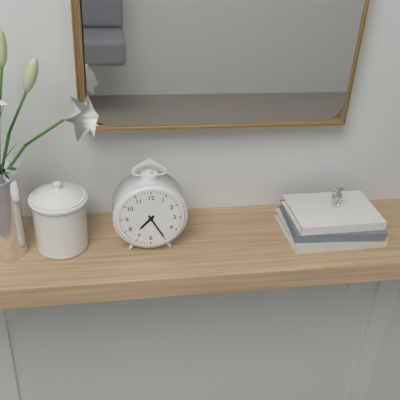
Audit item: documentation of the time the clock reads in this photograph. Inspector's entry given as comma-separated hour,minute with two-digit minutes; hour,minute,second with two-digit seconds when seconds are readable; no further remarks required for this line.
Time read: 7,25
